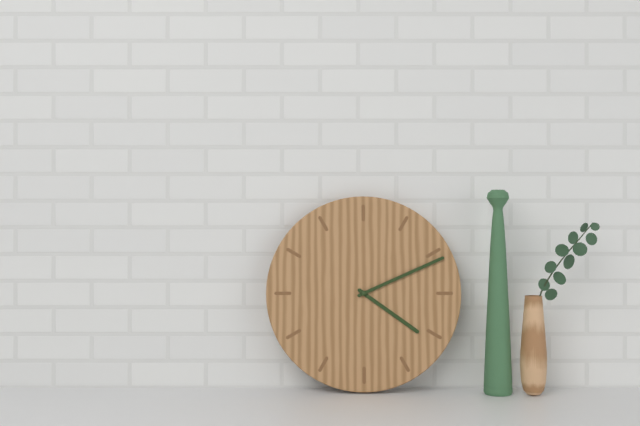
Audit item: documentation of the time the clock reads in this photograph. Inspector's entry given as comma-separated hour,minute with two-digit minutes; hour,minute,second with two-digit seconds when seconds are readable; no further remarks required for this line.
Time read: 4,11
